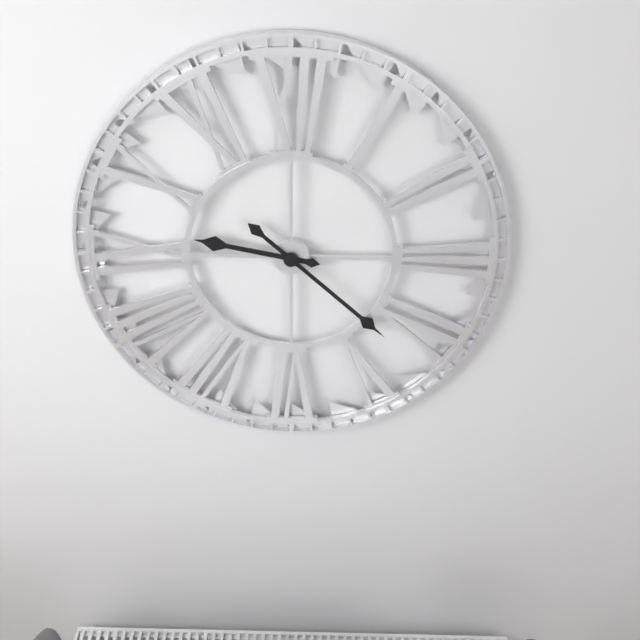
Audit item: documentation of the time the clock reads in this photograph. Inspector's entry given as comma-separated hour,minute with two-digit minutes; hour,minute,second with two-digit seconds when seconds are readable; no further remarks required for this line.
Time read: 9,22
